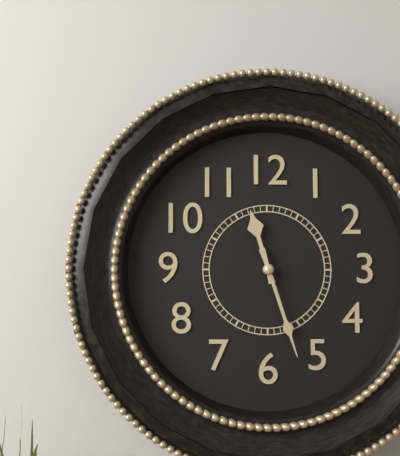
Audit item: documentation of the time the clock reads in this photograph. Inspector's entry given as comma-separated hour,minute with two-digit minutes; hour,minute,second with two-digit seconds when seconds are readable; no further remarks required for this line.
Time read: 11,27
